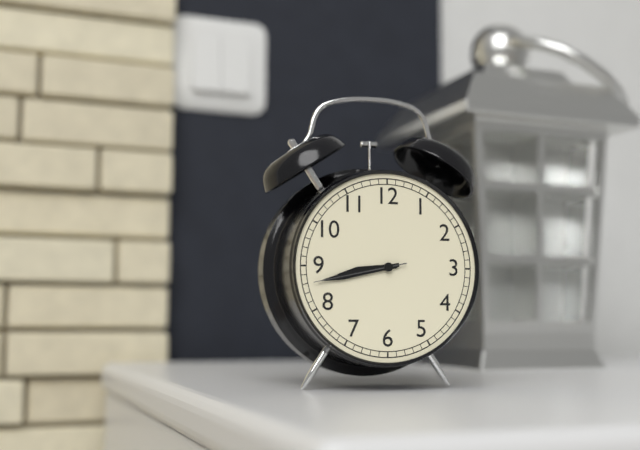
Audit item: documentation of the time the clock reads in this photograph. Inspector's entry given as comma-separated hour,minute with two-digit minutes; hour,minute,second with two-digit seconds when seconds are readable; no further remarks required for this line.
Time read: 8,43,43
